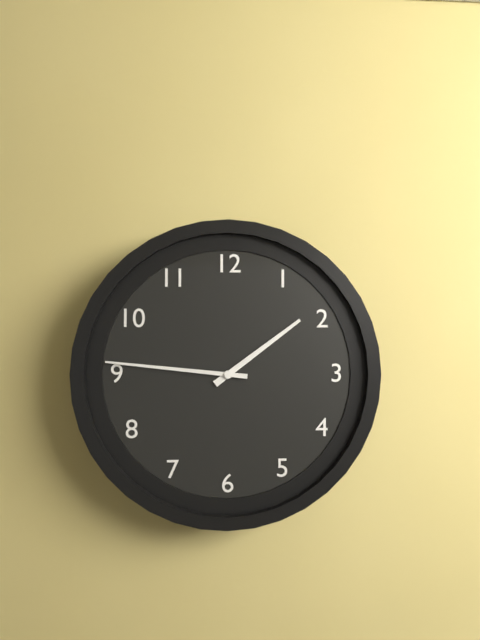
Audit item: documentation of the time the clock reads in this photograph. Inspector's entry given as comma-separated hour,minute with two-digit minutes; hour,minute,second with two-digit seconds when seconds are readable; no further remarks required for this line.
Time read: 1,46
